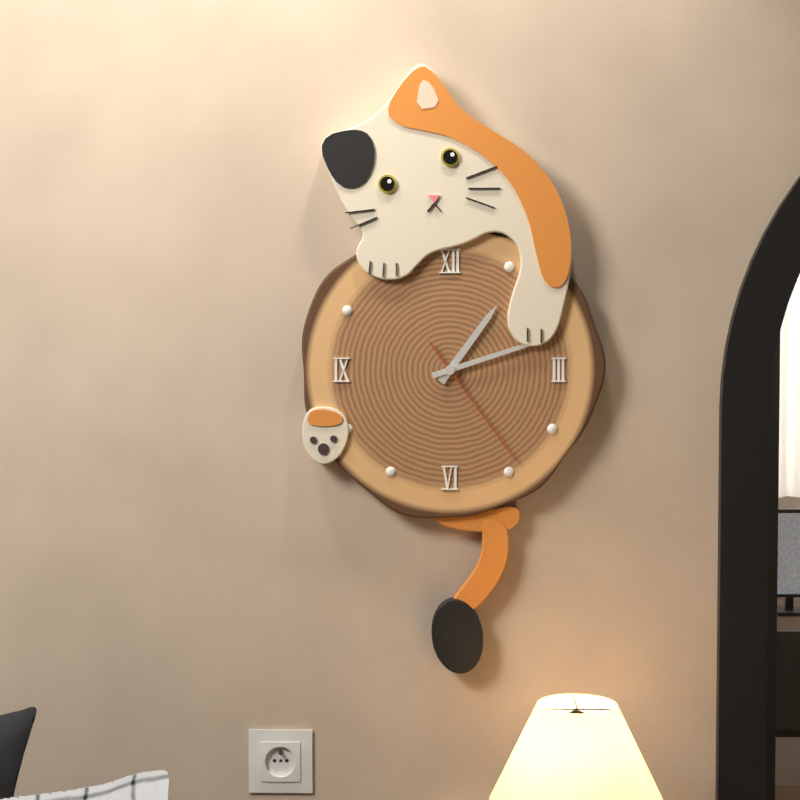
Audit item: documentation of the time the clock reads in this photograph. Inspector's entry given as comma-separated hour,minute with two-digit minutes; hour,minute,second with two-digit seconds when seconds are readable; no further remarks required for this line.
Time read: 1,12,24
